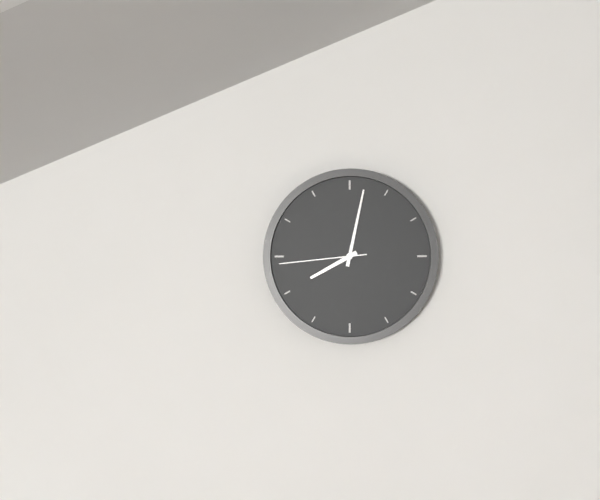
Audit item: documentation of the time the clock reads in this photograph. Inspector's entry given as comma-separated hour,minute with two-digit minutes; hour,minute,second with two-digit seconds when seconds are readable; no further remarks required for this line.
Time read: 8,02,44
